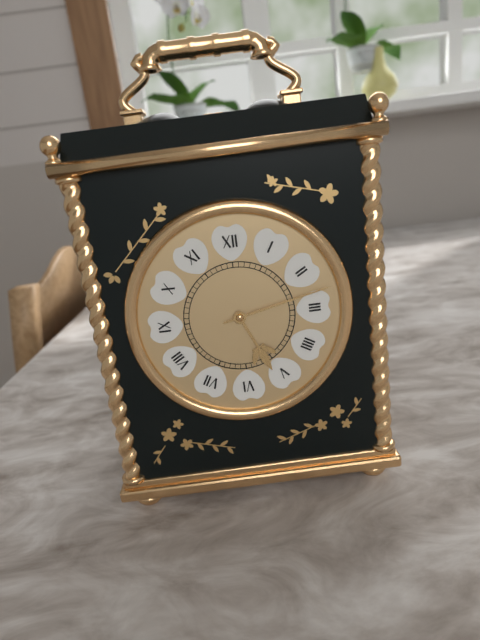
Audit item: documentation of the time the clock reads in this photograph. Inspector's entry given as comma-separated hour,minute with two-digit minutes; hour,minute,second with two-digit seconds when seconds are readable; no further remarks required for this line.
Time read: 5,13
